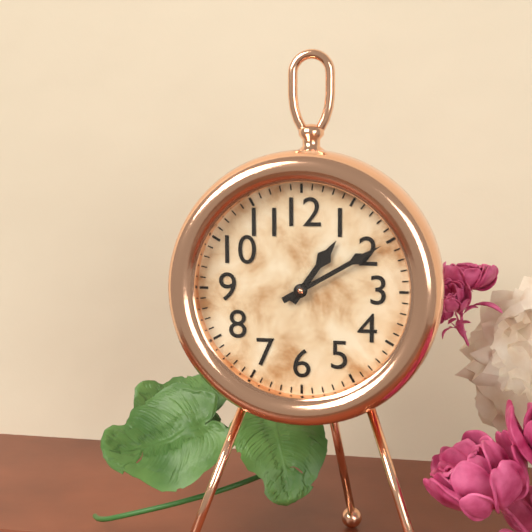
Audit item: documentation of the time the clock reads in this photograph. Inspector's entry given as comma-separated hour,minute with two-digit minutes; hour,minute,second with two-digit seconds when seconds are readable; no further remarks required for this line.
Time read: 1,10
